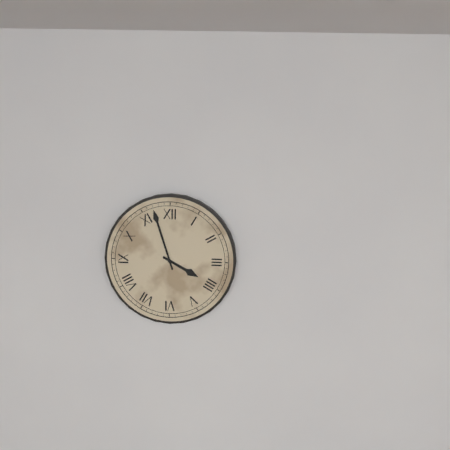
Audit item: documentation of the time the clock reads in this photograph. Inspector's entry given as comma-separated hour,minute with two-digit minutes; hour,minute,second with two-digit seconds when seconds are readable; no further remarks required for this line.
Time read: 3,57
